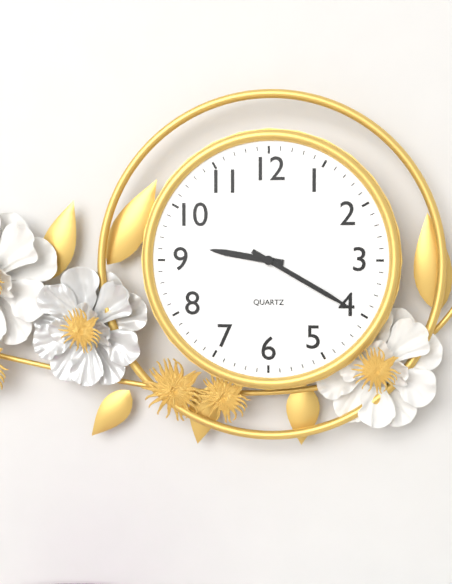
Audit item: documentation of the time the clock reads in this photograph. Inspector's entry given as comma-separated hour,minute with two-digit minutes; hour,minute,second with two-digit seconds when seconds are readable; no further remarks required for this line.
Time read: 9,20
